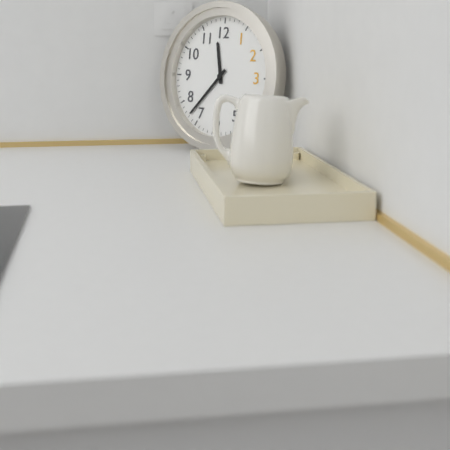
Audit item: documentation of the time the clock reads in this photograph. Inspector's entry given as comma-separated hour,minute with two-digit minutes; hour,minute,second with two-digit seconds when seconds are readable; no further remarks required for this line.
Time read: 11,37
